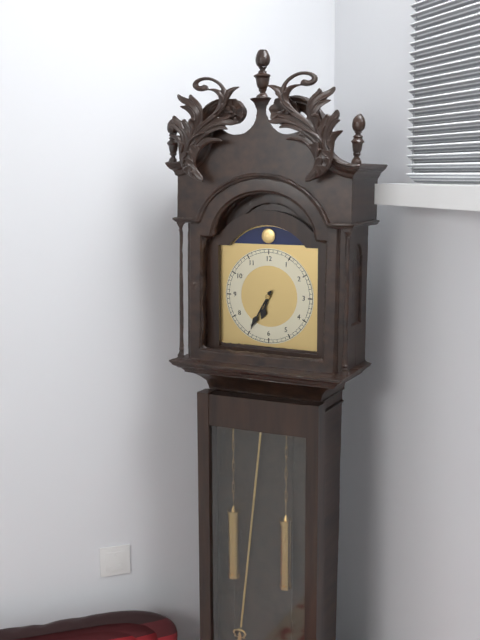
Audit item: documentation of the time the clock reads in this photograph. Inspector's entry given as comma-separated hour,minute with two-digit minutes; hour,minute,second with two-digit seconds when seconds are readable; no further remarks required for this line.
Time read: 6,35
